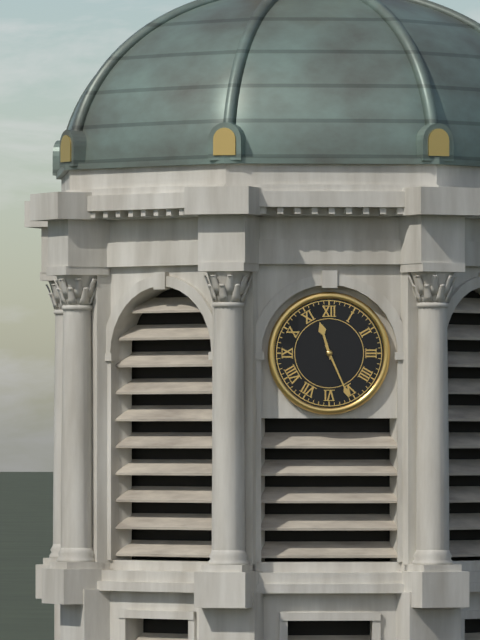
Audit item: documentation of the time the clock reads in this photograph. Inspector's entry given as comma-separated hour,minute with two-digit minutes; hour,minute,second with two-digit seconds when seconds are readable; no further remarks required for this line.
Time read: 11,26
